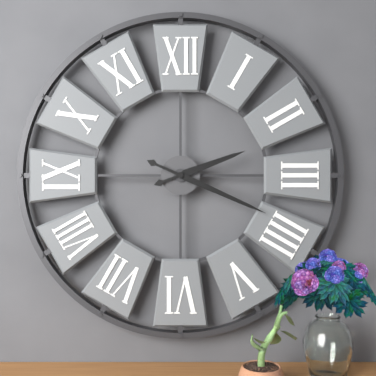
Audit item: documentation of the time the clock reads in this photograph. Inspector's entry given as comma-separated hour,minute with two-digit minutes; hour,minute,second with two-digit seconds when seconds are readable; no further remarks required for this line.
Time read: 2,19
